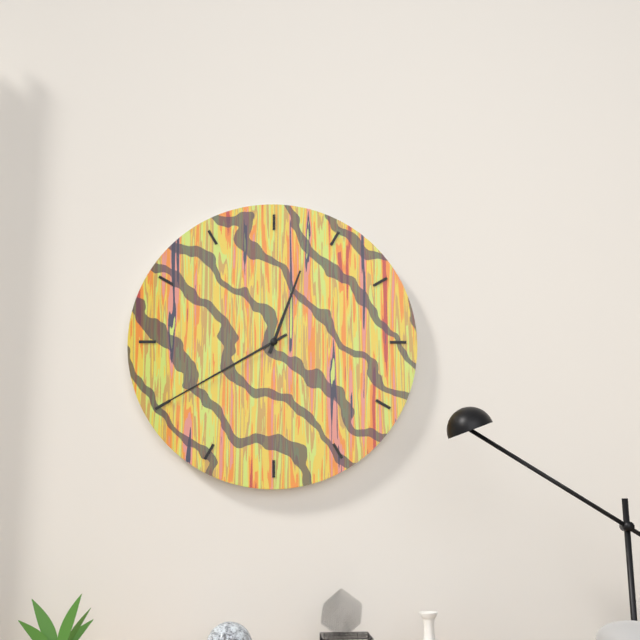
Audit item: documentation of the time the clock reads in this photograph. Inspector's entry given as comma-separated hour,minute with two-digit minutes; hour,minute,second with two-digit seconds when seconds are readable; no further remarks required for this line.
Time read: 12,40
